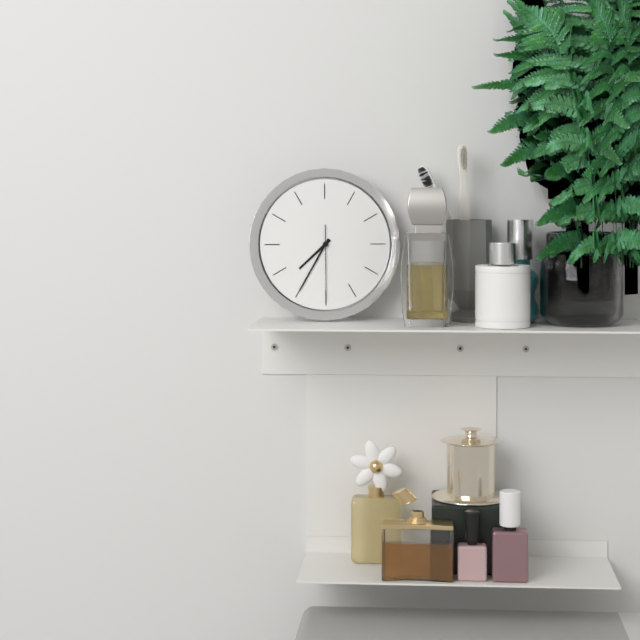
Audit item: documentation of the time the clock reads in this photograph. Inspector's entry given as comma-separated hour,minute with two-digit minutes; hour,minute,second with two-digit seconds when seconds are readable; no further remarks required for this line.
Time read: 7,35,30
